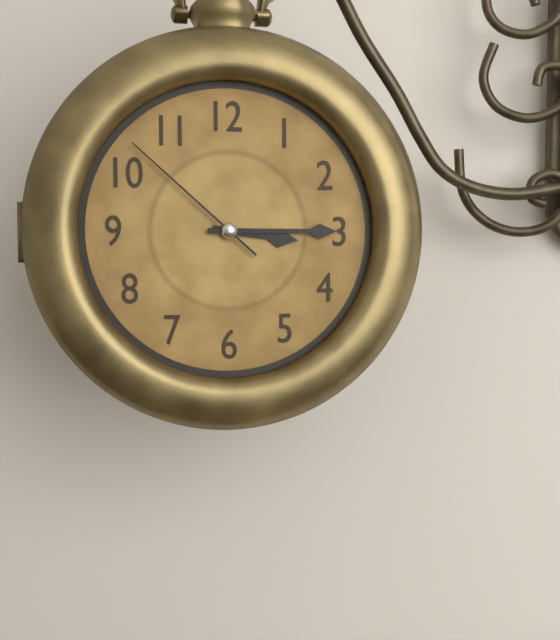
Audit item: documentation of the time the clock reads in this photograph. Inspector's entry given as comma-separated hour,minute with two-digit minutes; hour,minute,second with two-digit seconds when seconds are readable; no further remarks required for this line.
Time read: 3,15,52
